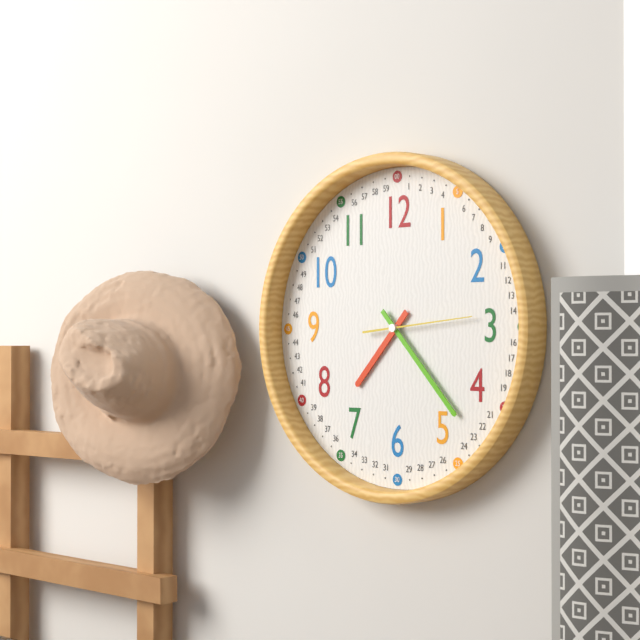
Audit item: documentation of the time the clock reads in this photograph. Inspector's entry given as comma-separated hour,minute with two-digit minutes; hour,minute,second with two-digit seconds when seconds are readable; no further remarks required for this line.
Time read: 7,23,14
